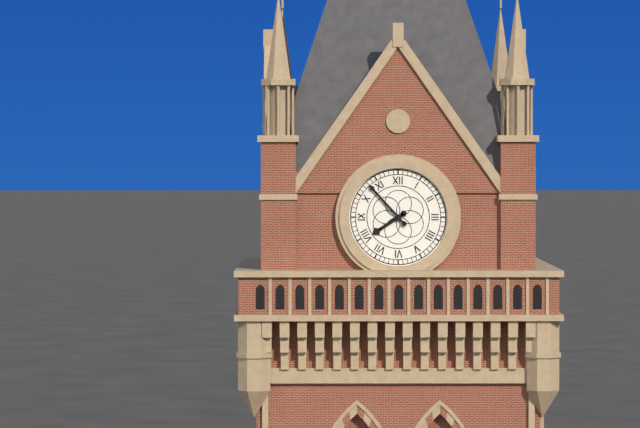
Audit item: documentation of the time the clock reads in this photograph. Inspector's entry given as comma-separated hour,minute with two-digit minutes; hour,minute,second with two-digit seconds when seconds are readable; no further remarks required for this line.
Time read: 7,53
